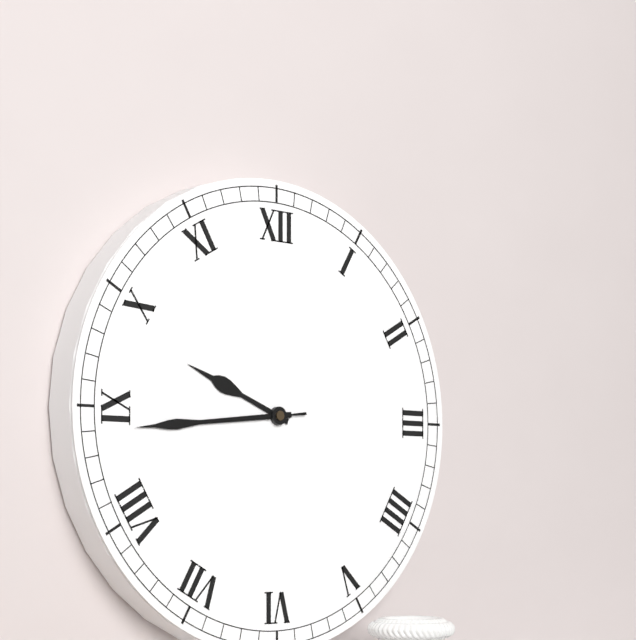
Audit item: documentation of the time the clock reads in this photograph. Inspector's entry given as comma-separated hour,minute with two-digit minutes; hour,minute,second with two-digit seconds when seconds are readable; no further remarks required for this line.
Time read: 9,44,44
